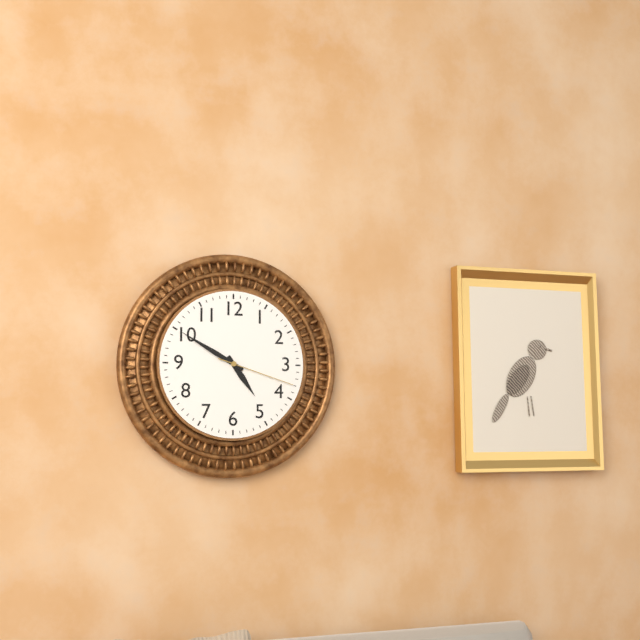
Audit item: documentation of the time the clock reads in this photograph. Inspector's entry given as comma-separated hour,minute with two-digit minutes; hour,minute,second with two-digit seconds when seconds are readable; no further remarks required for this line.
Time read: 4,50,18
